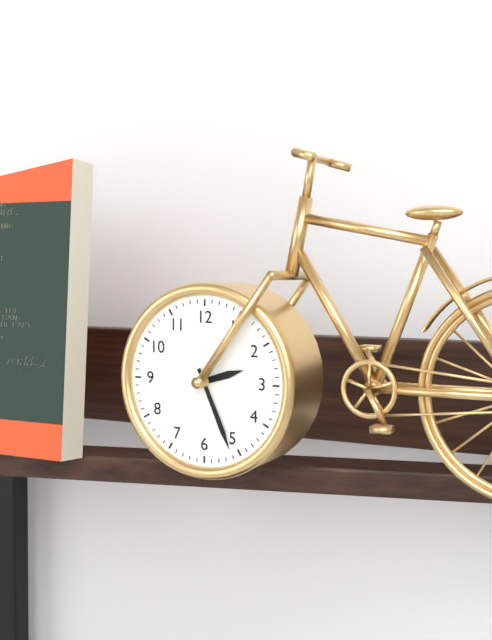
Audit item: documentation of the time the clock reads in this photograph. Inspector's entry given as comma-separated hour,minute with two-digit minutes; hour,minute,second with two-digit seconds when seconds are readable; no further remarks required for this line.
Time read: 2,26
